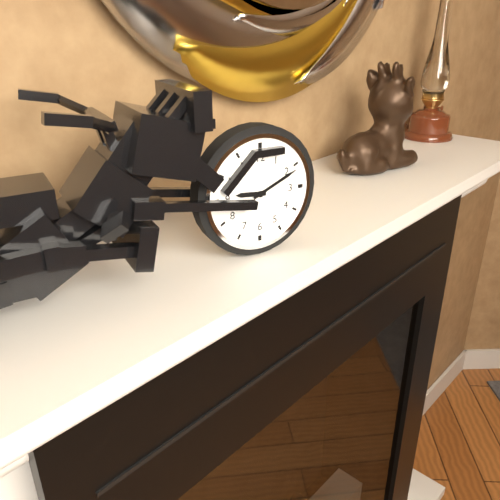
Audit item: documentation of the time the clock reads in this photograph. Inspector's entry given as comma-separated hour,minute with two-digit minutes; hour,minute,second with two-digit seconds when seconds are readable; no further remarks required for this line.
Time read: 9,11
